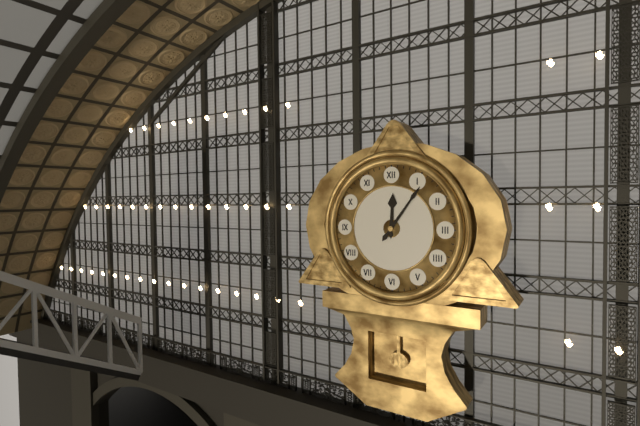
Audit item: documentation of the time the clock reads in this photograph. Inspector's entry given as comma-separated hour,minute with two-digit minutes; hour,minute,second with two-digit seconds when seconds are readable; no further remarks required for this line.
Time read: 12,06
